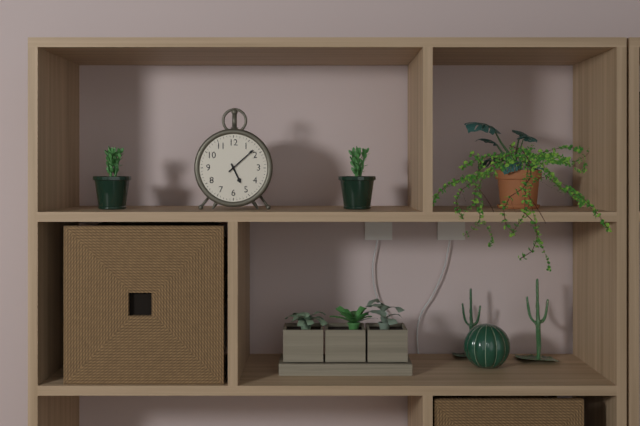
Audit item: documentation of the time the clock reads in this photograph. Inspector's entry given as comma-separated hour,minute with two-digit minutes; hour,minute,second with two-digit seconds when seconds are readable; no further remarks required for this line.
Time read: 5,08
